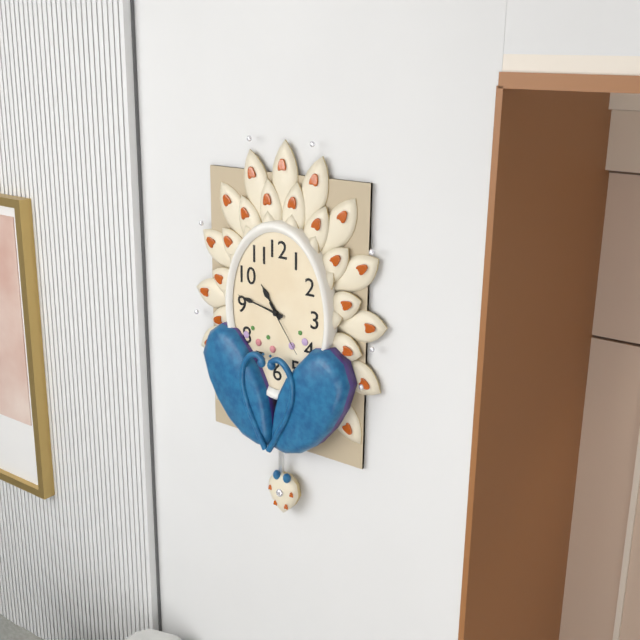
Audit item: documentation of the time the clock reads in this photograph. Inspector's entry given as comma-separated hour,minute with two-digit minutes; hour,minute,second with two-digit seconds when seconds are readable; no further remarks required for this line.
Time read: 10,47,24
